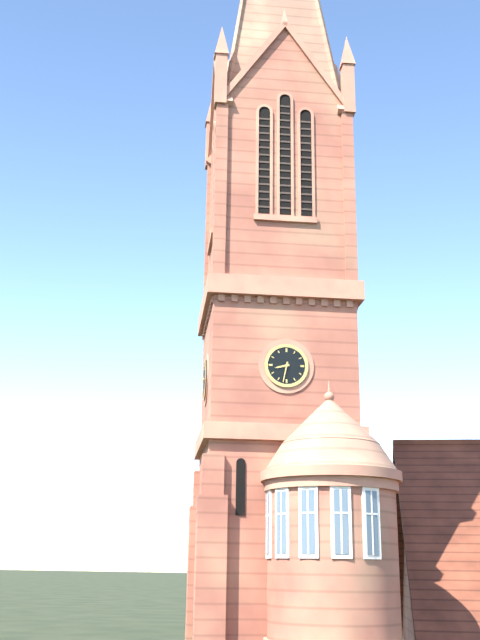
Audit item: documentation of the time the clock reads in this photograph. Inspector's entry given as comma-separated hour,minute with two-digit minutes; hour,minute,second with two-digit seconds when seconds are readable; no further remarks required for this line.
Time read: 8,32
